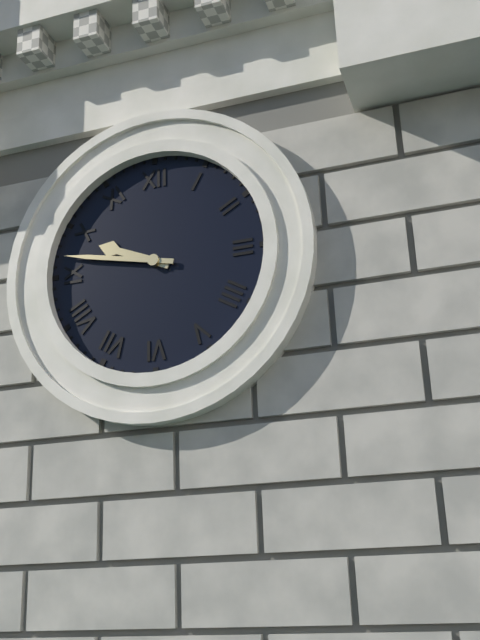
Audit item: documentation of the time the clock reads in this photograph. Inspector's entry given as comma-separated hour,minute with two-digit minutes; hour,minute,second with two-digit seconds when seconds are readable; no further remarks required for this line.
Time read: 9,47
